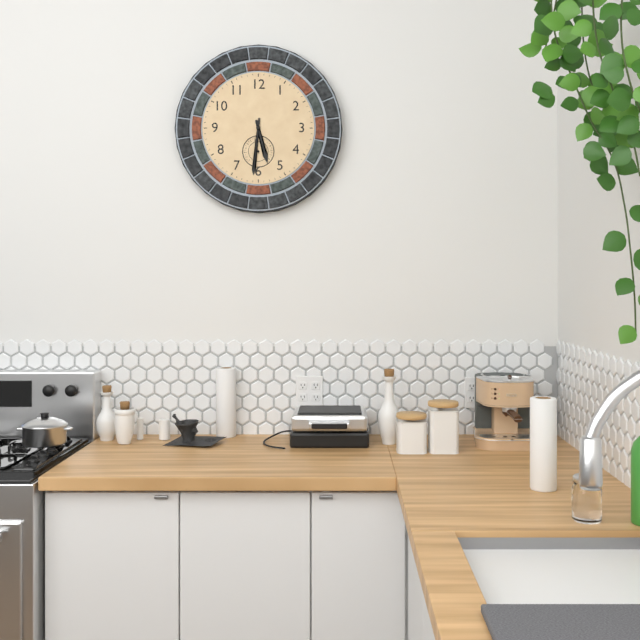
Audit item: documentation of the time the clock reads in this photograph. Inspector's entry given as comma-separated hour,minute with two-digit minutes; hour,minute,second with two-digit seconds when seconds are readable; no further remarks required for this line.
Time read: 5,31
